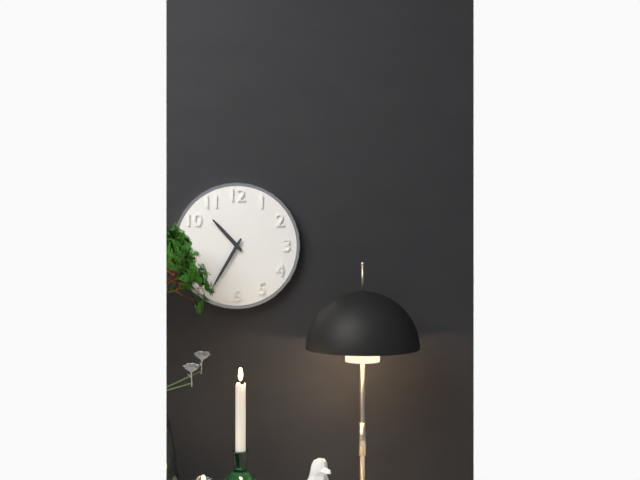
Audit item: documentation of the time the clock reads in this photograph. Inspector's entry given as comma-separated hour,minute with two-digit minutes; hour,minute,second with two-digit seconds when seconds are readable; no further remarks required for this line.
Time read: 10,35
